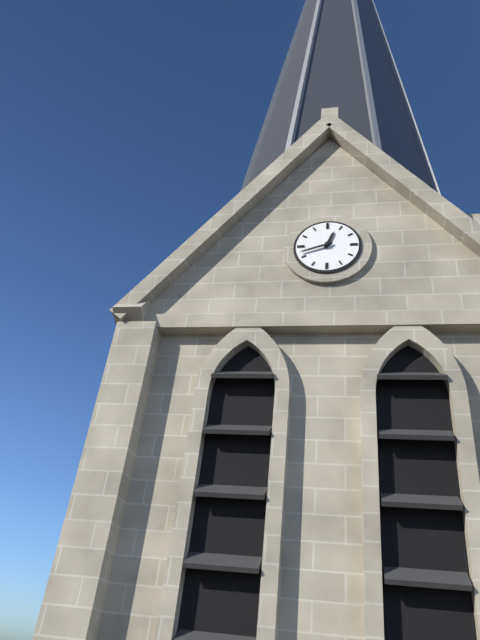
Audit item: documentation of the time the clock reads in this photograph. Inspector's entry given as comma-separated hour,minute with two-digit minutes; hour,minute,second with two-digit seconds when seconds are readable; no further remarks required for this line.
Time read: 12,42
